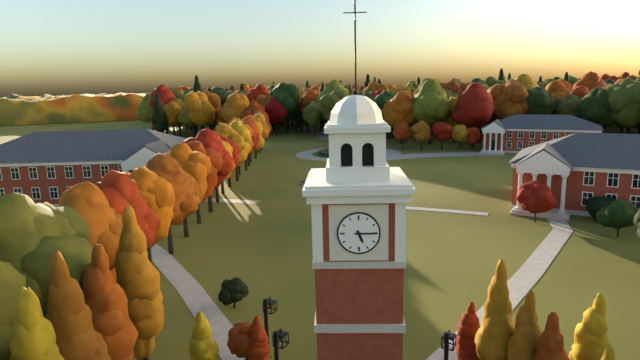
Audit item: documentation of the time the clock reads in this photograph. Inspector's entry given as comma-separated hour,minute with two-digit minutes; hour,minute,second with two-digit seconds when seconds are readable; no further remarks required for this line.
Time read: 5,15
